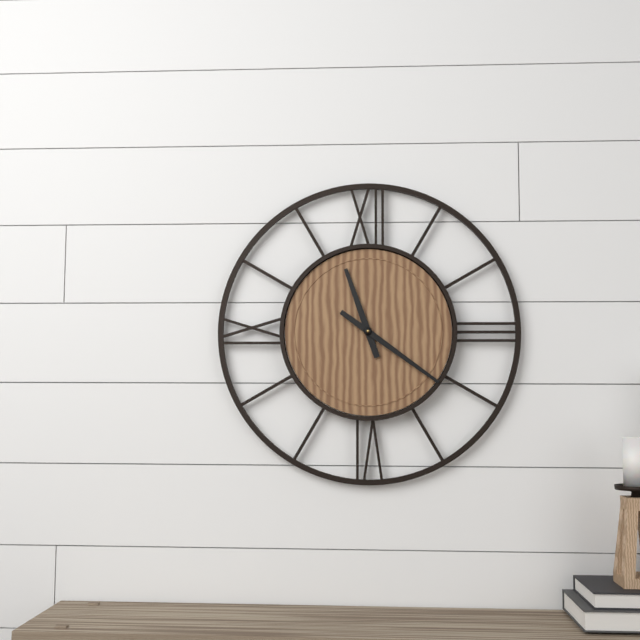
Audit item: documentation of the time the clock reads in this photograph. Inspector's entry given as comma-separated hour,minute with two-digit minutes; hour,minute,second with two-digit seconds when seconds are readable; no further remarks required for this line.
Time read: 11,21
